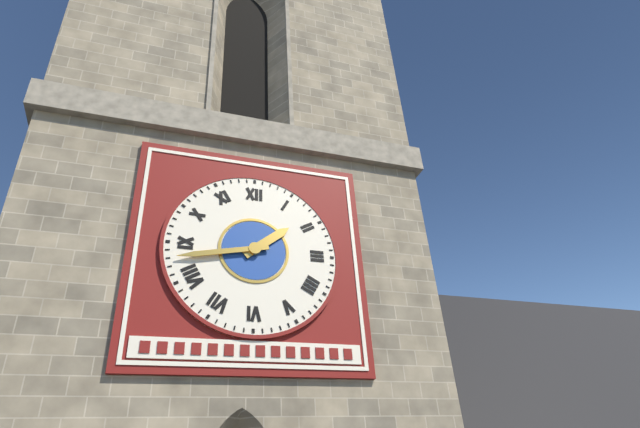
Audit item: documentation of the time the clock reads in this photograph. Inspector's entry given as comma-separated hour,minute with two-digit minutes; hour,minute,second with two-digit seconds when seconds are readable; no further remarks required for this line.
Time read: 1,43
